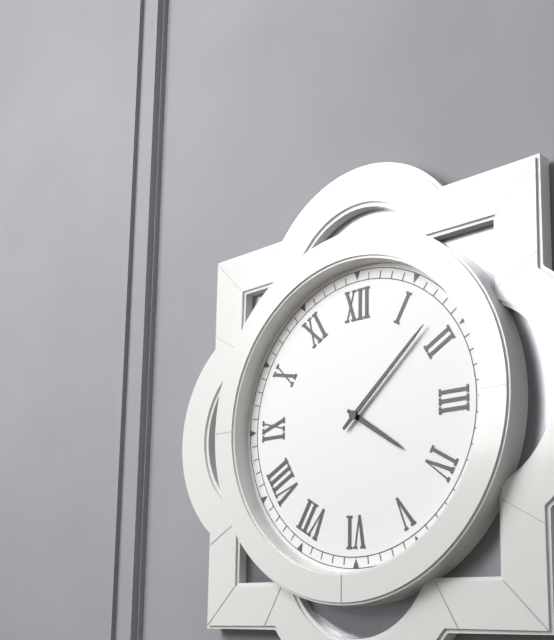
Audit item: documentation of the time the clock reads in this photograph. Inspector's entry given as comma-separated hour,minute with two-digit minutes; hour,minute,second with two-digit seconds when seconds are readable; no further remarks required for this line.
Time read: 4,08
